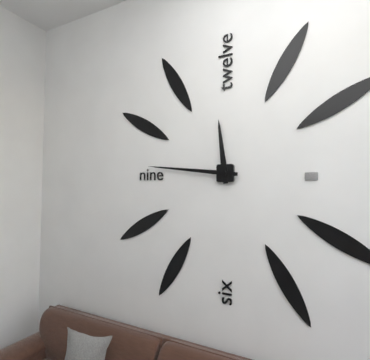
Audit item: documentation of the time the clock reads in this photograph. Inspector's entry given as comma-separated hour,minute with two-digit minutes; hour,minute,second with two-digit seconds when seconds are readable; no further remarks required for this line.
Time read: 11,46
